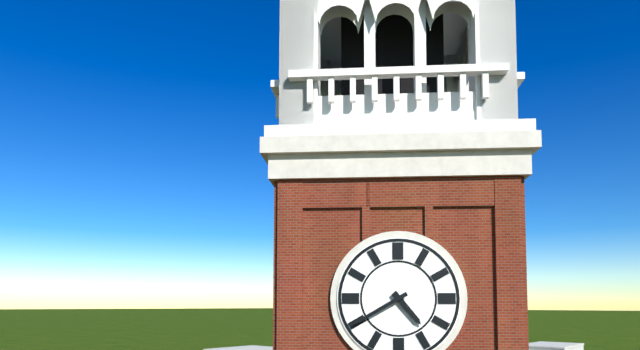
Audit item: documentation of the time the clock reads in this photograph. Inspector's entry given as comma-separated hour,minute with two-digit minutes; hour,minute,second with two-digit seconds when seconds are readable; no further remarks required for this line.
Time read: 4,40
